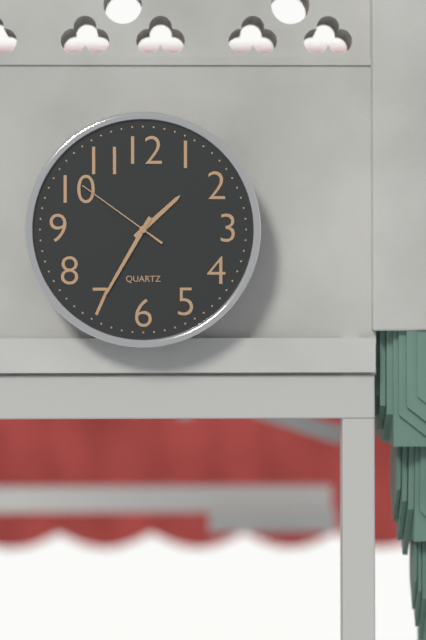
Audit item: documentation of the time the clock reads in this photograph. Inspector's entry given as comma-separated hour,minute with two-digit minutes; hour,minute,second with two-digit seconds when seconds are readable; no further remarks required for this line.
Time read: 1,35,51
